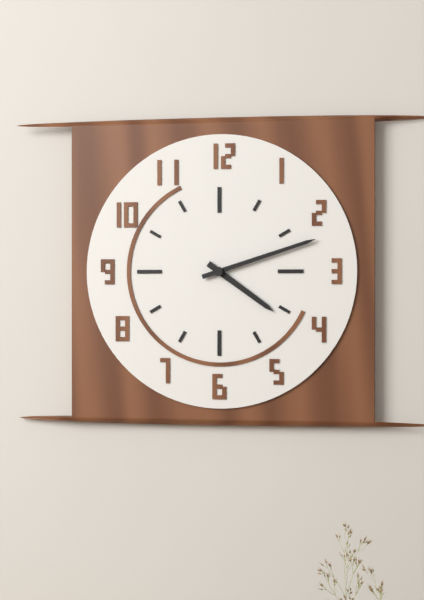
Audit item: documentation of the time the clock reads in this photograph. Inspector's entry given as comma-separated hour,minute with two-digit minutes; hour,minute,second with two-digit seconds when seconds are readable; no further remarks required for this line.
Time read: 4,12
